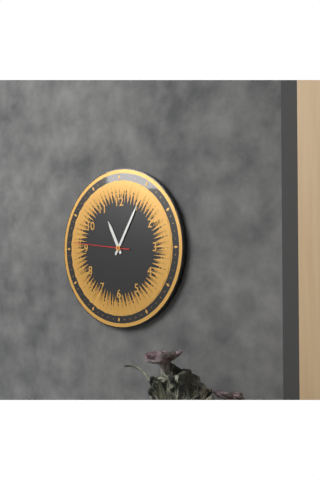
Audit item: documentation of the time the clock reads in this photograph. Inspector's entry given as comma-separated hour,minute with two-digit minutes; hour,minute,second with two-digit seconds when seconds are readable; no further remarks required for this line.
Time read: 11,05,46
